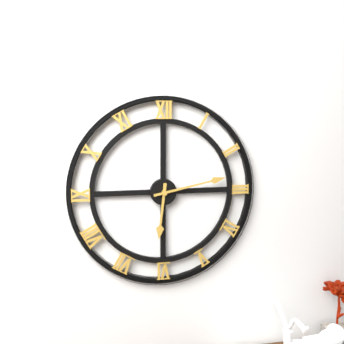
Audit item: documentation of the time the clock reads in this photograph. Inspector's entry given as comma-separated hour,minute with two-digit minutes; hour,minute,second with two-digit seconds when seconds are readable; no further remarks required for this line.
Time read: 6,13
